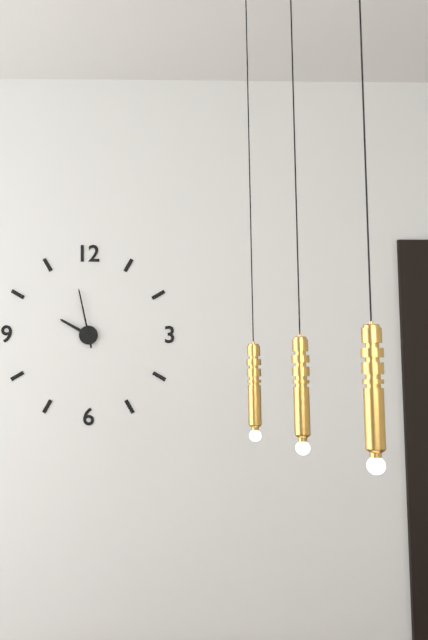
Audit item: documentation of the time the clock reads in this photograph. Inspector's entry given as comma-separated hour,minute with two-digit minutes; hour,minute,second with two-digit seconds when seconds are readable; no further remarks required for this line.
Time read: 9,58
